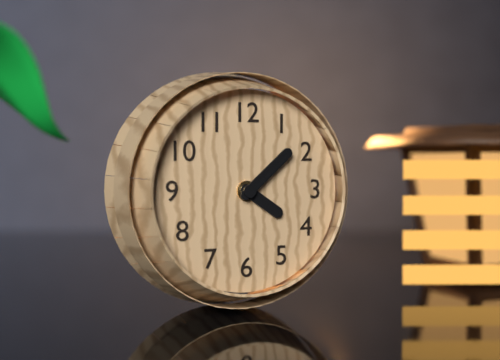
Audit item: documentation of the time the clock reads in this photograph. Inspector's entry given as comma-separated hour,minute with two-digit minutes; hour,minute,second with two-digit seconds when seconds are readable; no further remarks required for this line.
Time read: 4,08
